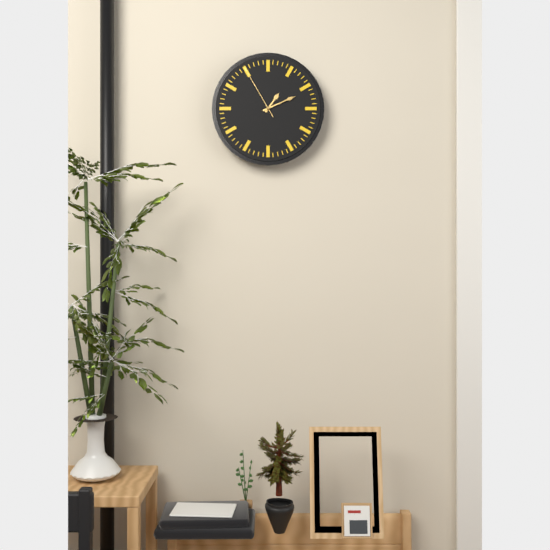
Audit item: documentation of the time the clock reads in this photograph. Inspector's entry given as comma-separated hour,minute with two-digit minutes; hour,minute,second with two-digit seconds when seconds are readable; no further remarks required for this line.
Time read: 1,11,55
